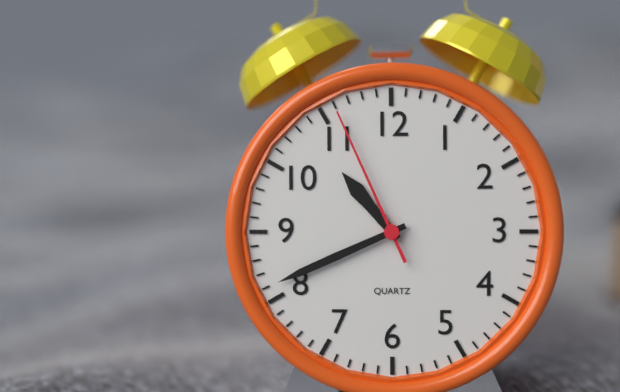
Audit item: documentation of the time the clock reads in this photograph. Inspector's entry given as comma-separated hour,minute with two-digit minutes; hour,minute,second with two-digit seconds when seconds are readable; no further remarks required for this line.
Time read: 10,41,56
